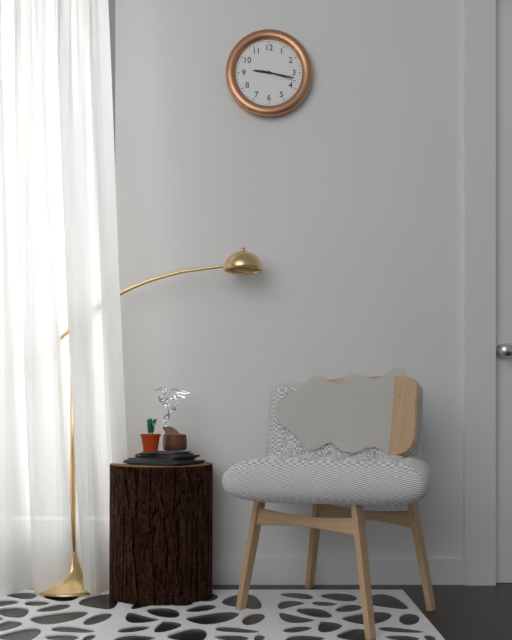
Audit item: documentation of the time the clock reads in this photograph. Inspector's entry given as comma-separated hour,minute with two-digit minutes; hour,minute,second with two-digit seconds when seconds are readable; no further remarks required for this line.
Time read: 9,17
